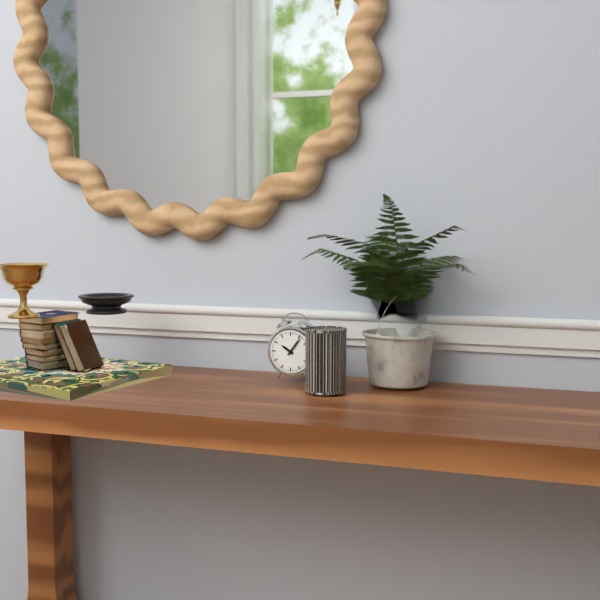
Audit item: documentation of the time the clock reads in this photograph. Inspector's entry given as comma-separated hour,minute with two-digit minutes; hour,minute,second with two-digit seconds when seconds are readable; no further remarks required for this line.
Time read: 10,06
